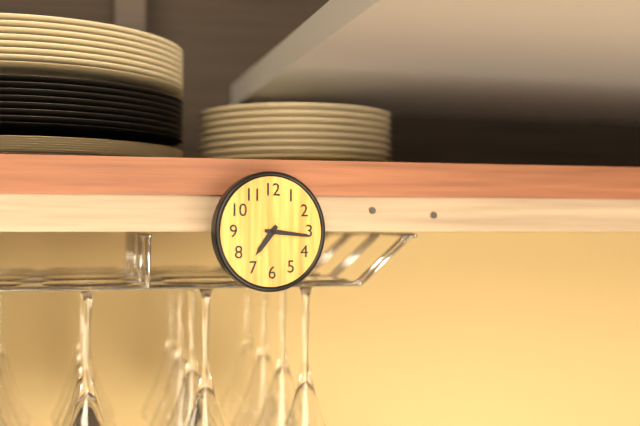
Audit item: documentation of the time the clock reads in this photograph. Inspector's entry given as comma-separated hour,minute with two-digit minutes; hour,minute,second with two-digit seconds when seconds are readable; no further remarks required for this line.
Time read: 7,16
